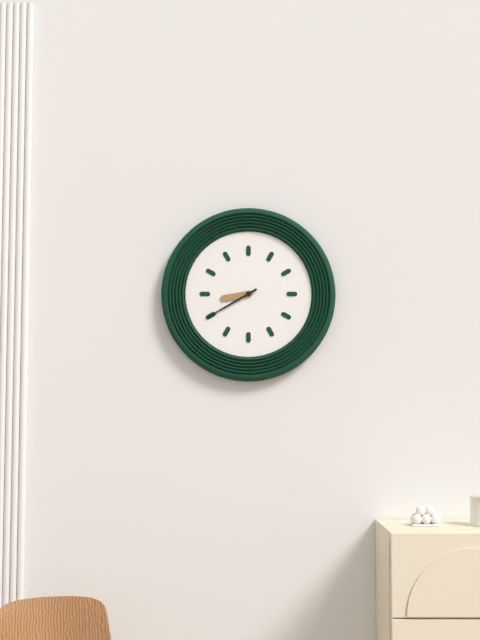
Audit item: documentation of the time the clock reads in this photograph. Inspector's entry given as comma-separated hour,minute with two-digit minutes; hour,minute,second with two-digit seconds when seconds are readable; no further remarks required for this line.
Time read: 8,40
